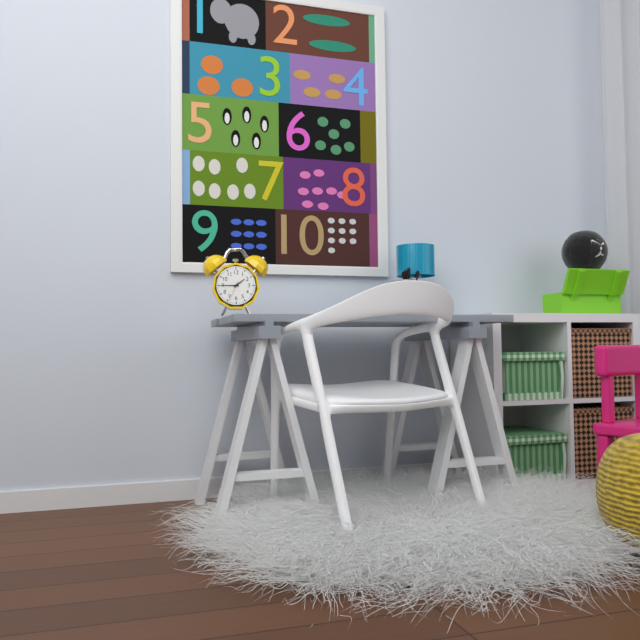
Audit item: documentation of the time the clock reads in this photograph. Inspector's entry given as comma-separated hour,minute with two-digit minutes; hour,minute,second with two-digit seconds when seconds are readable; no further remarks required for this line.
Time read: 1,45
